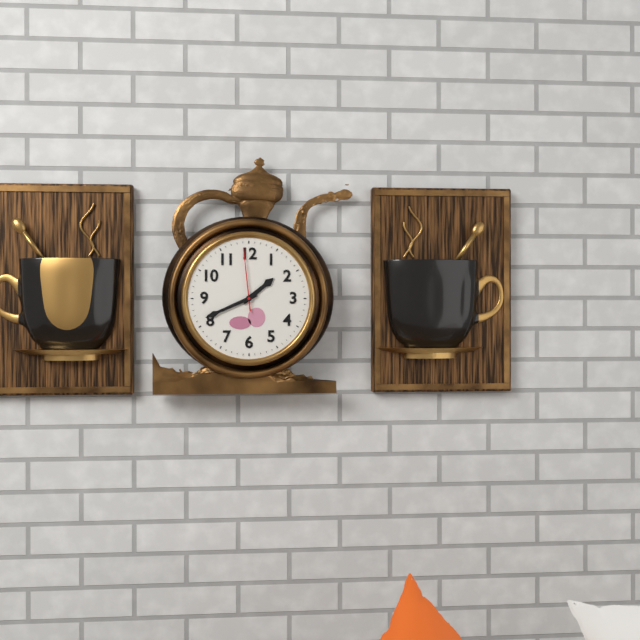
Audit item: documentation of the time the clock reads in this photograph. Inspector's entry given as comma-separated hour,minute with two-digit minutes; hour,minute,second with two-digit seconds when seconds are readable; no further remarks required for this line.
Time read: 1,41,59
